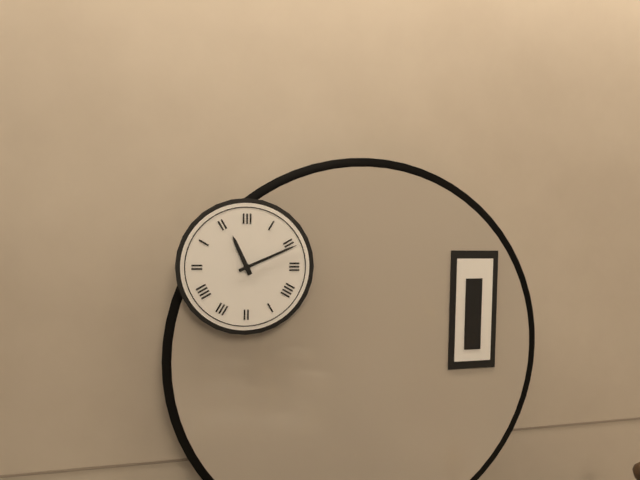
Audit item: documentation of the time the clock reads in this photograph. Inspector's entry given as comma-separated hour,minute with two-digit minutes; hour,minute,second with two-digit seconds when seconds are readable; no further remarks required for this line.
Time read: 11,11
